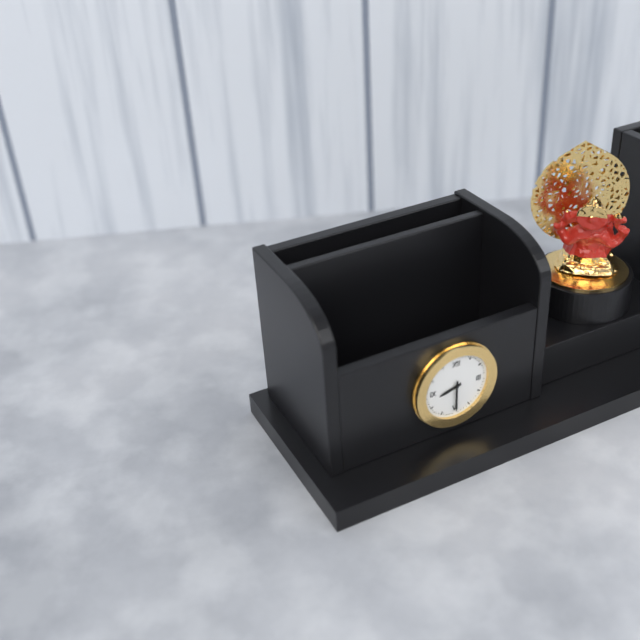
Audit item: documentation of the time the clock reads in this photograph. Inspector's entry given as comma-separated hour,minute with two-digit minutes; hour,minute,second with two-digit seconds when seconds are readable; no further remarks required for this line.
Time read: 8,30
